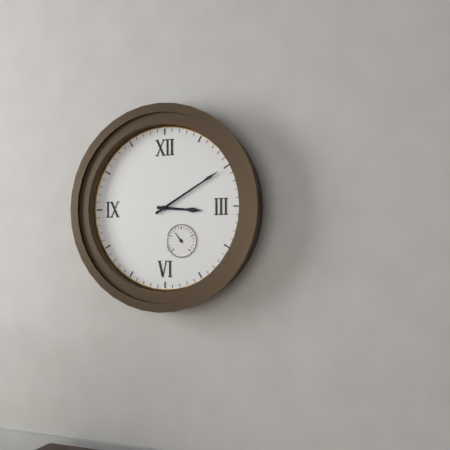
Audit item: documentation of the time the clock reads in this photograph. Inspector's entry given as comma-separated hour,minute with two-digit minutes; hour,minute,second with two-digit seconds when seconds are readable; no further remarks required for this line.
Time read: 3,10
